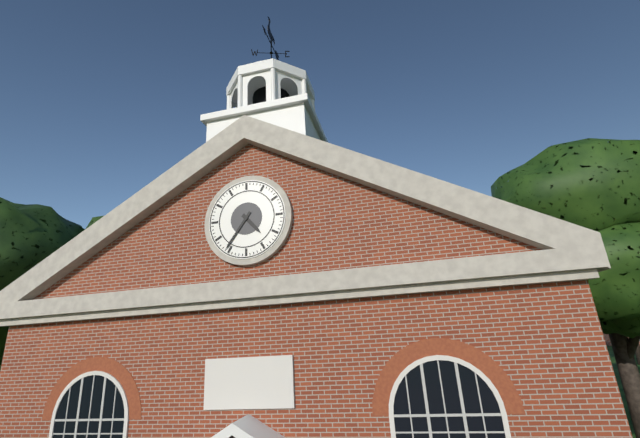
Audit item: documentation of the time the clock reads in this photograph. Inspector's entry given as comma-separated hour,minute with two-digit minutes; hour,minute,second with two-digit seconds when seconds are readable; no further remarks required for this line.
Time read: 4,36
